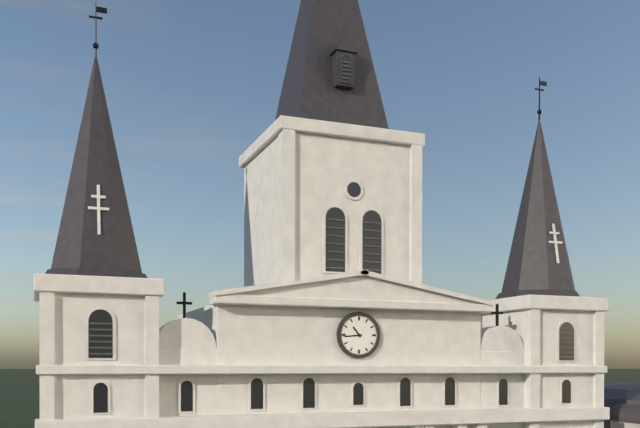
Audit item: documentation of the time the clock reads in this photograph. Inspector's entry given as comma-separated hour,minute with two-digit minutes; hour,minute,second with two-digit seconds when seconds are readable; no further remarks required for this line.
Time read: 10,44
